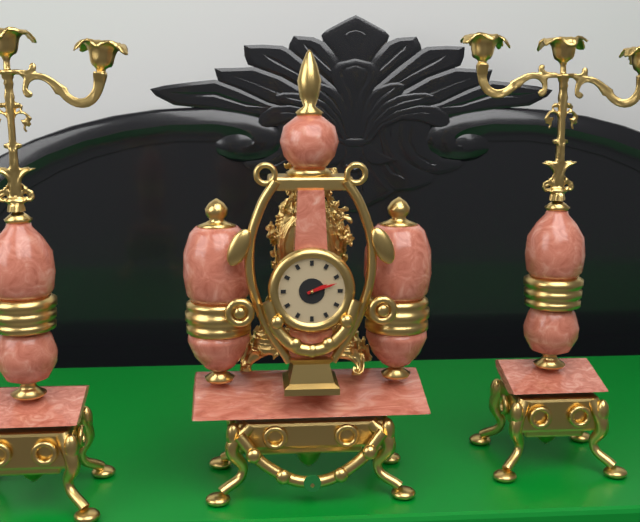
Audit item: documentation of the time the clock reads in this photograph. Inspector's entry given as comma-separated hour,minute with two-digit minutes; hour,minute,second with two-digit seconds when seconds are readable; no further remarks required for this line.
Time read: 2,12
